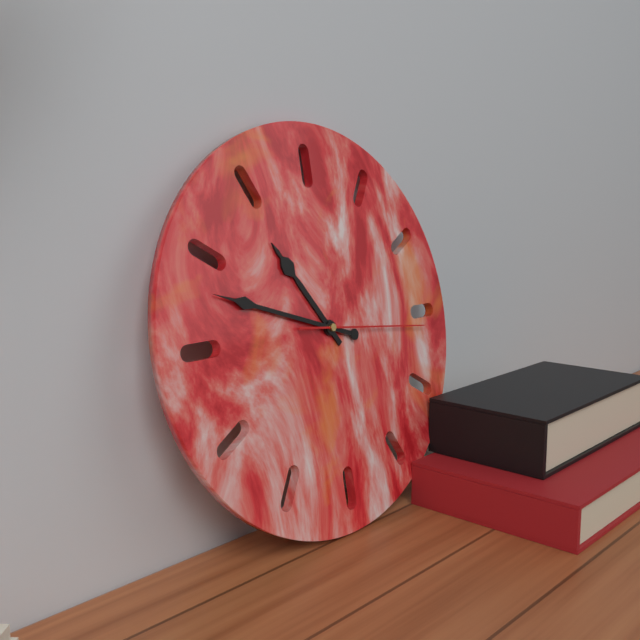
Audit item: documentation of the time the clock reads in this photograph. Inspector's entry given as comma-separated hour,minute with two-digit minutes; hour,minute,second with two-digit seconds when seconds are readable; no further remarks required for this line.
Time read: 10,48,16
